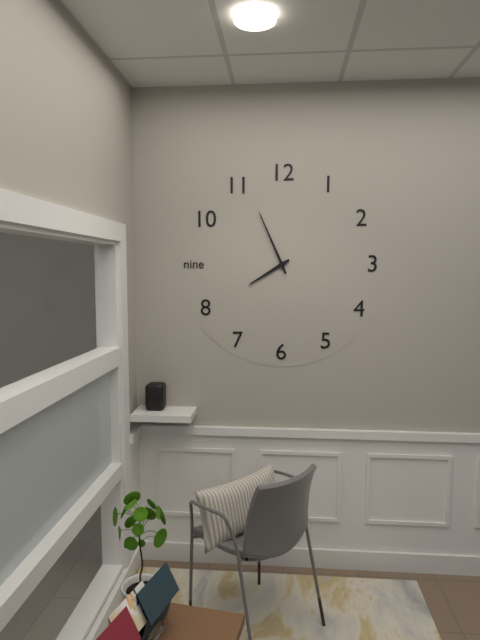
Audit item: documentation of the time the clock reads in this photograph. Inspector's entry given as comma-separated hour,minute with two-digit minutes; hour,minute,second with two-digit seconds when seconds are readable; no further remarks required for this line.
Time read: 7,56
